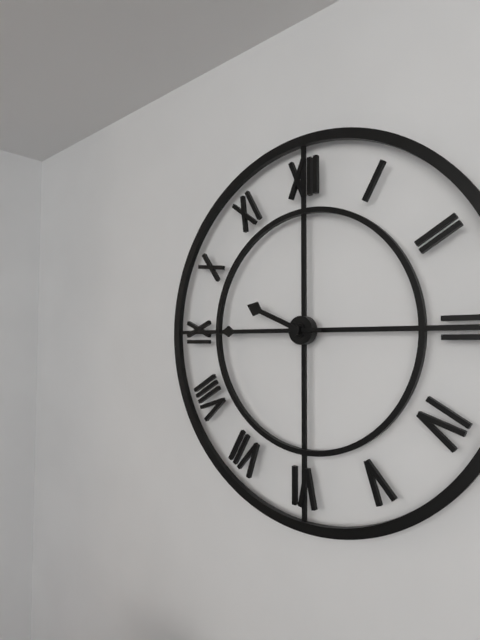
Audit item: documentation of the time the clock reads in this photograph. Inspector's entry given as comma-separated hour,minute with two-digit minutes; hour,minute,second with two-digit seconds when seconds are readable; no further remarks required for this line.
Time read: 9,45
